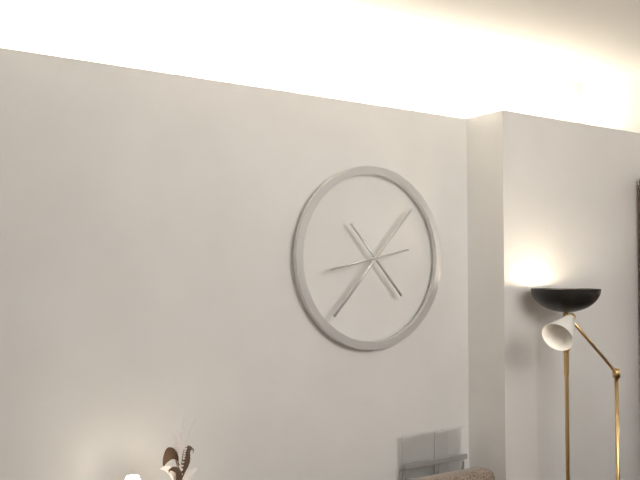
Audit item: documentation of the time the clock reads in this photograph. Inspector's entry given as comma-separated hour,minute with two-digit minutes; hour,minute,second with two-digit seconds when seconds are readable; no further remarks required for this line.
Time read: 4,37,43
